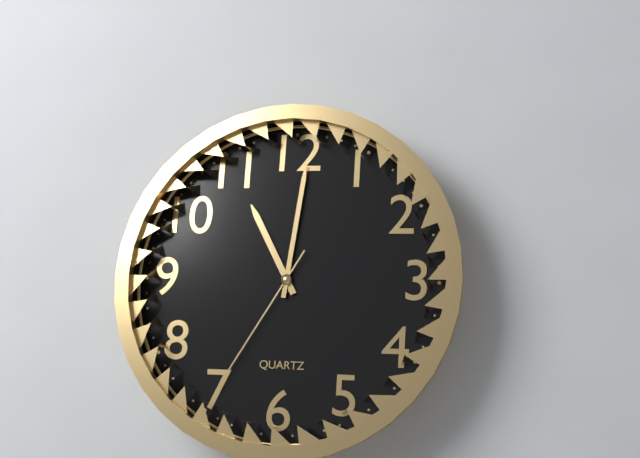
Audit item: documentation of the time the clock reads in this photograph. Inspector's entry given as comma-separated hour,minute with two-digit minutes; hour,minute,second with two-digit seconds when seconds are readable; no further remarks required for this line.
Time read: 11,01,35
